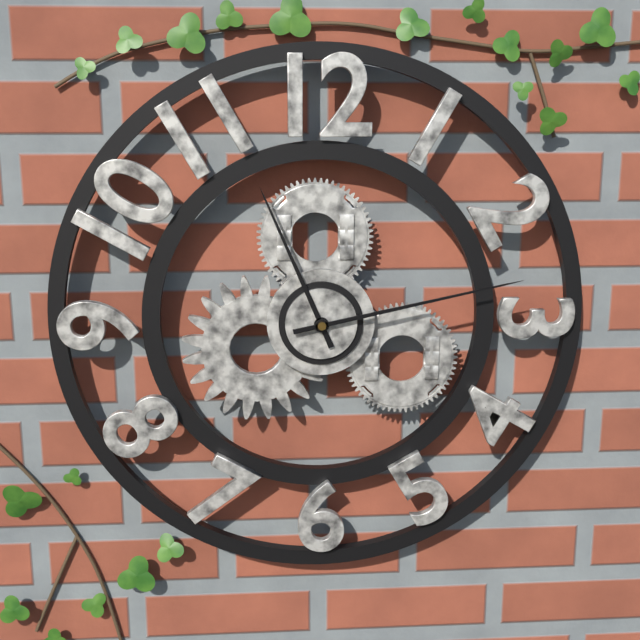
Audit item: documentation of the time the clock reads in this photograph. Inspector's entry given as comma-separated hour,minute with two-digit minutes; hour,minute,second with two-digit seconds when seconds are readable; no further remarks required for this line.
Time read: 11,13
